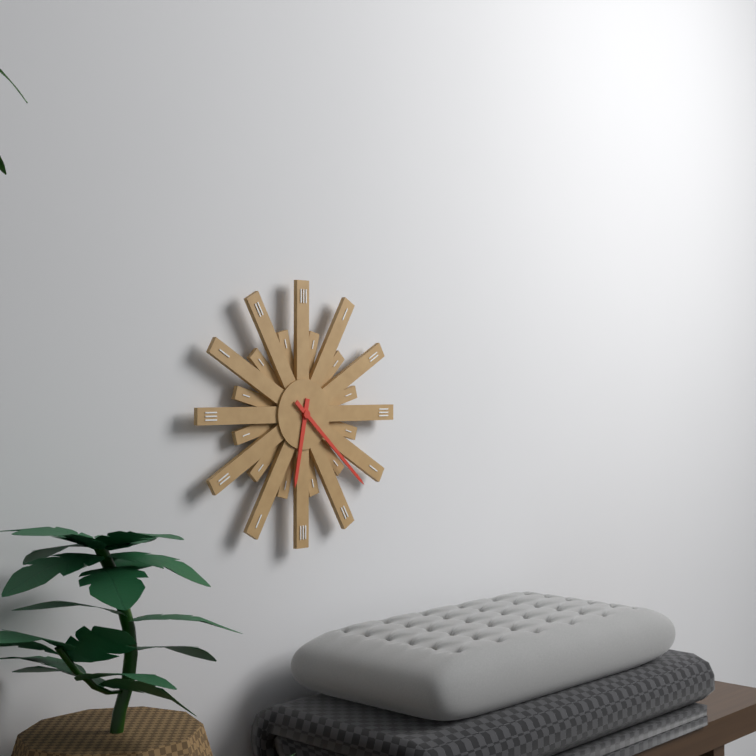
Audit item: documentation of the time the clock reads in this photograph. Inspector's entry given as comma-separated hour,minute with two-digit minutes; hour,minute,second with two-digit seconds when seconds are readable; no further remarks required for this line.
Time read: 6,22
